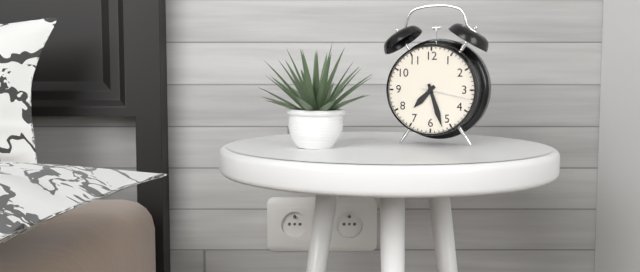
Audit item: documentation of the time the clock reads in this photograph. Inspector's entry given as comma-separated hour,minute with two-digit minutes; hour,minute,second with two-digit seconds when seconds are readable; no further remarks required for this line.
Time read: 7,27
